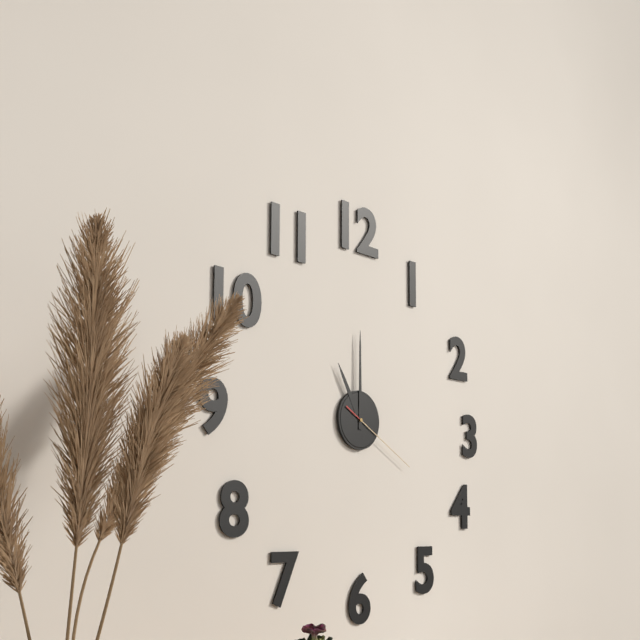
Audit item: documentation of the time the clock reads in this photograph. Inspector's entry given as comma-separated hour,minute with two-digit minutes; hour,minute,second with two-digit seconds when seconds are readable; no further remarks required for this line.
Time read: 11,00,20
